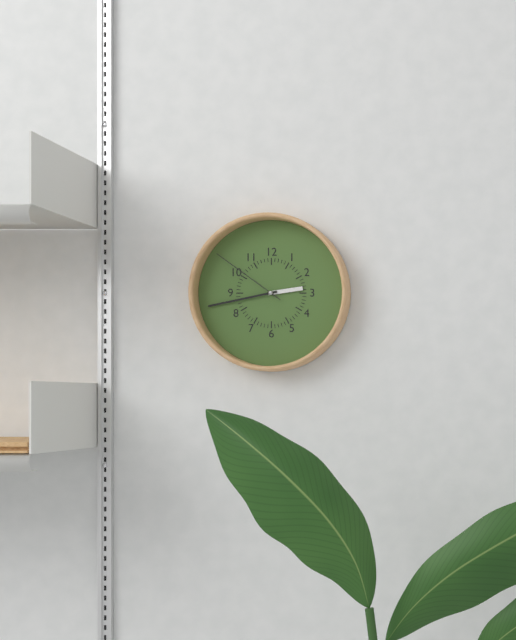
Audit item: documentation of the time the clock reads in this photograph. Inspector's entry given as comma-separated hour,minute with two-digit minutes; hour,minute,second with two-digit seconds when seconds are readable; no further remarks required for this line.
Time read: 2,43,51
